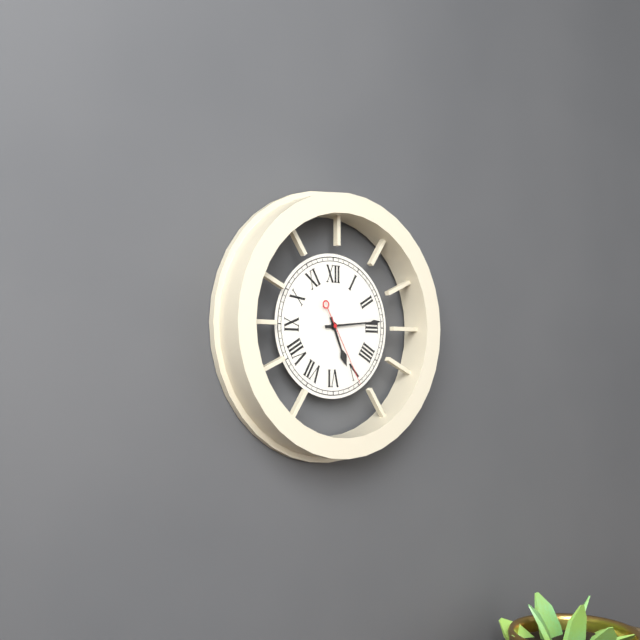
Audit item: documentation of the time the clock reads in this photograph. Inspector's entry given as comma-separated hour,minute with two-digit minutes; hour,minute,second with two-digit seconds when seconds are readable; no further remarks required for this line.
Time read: 5,14,25
